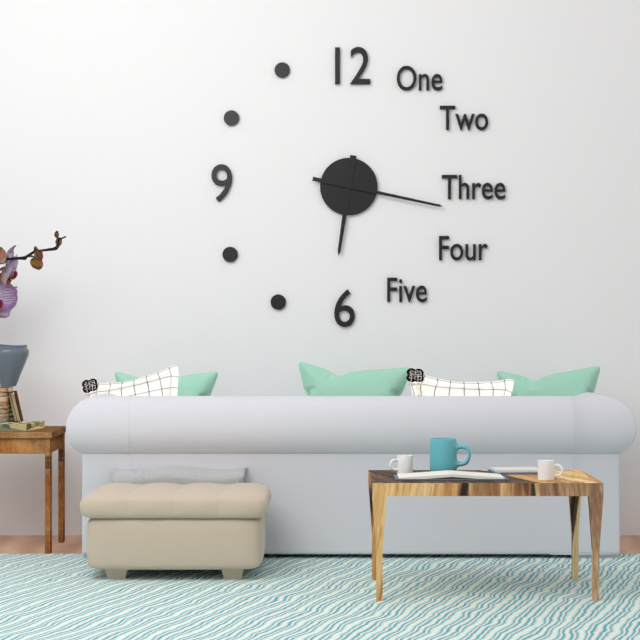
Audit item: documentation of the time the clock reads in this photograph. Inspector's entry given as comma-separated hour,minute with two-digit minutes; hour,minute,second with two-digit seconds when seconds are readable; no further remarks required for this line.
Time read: 6,17
